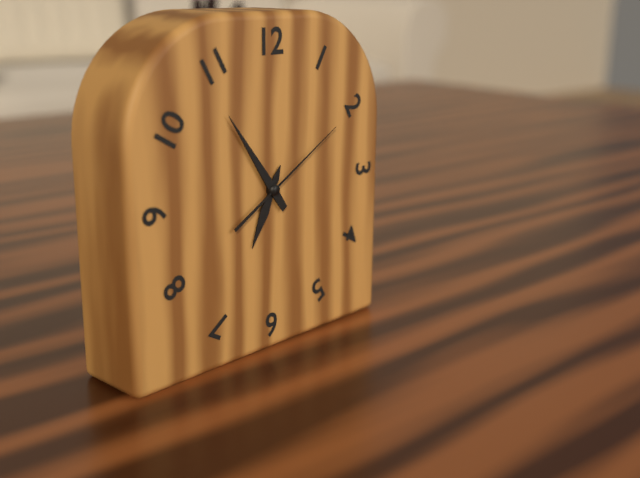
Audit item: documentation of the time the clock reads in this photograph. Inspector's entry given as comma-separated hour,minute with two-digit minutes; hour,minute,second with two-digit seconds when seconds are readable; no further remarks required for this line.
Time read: 6,54,10
